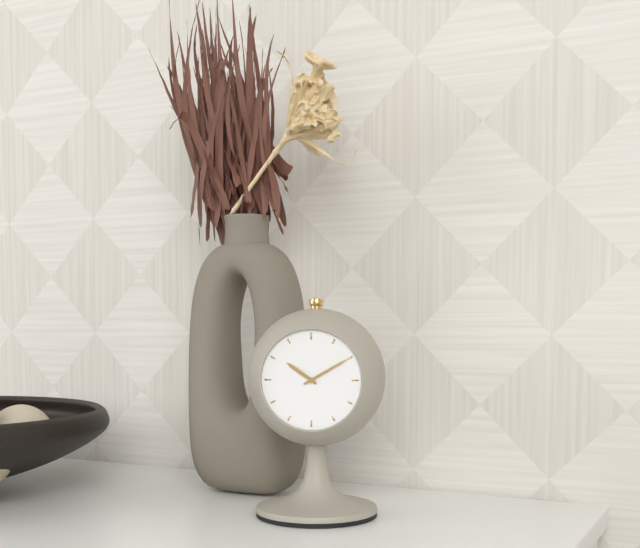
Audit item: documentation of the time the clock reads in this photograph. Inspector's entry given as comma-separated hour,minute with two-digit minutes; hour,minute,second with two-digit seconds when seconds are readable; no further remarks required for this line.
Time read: 10,10
